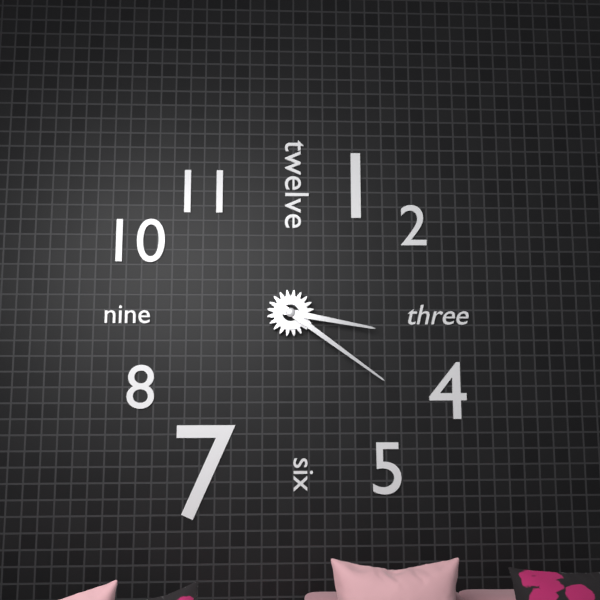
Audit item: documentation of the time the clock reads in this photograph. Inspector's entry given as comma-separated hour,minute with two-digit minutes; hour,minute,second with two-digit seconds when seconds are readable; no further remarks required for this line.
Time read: 3,21
